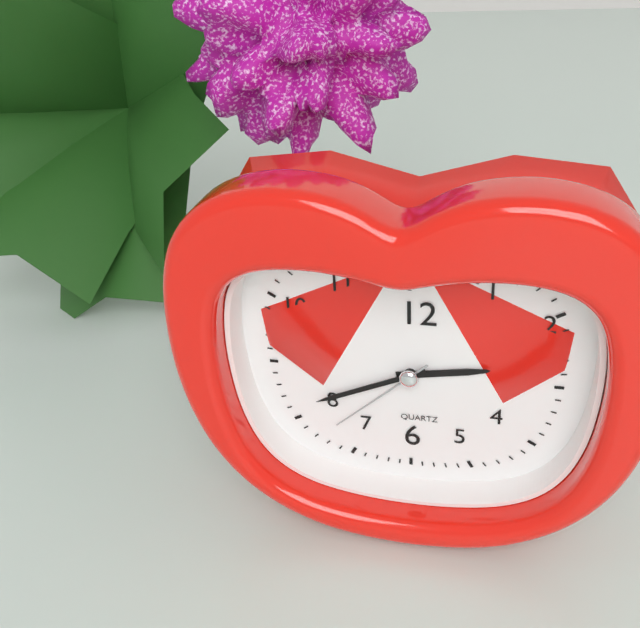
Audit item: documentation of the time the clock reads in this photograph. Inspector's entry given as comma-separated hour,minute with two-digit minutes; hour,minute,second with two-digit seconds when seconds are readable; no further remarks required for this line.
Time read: 2,41,38
